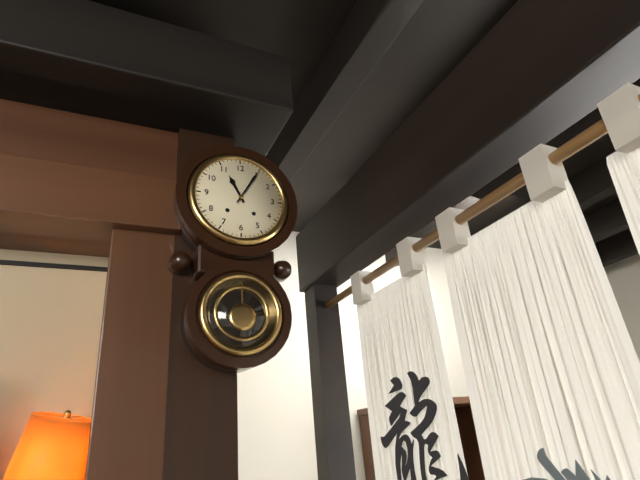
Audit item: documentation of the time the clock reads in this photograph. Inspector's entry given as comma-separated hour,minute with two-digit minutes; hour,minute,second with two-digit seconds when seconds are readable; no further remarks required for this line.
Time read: 11,05
